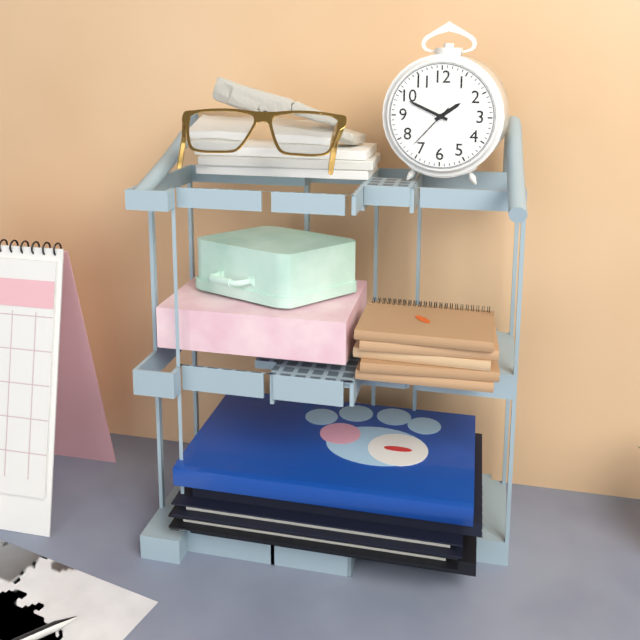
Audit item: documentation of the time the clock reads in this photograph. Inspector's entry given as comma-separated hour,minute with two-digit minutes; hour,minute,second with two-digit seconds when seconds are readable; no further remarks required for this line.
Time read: 1,49
